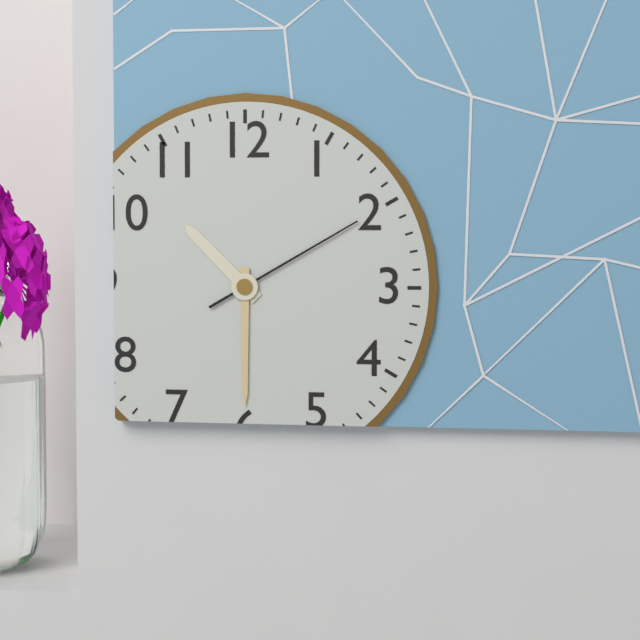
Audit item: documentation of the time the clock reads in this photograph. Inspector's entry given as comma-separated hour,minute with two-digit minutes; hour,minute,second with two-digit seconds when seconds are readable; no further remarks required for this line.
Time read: 10,30,10
